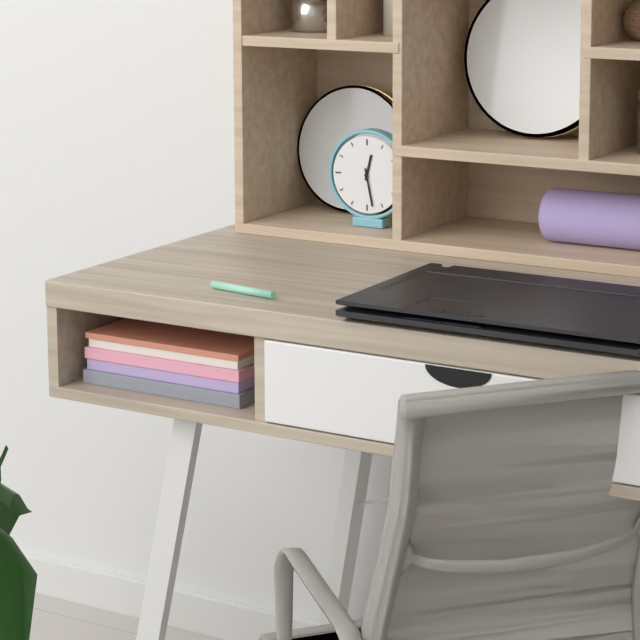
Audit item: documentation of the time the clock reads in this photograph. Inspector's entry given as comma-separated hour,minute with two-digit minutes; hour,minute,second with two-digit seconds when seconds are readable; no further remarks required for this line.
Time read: 12,28
